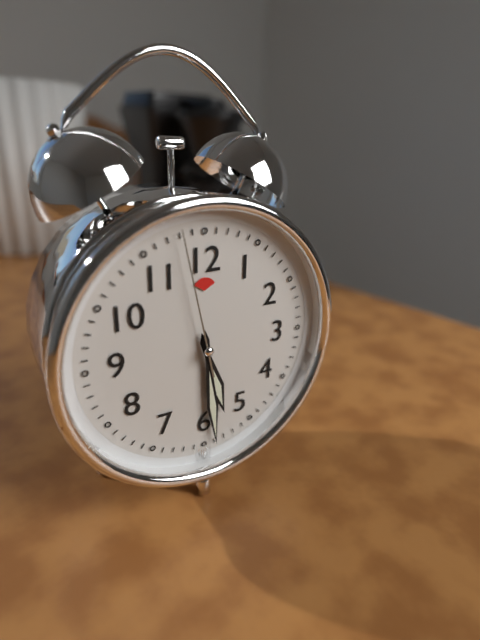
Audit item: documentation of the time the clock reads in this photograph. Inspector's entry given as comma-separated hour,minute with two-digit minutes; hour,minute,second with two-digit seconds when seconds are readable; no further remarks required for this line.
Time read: 5,29,58
